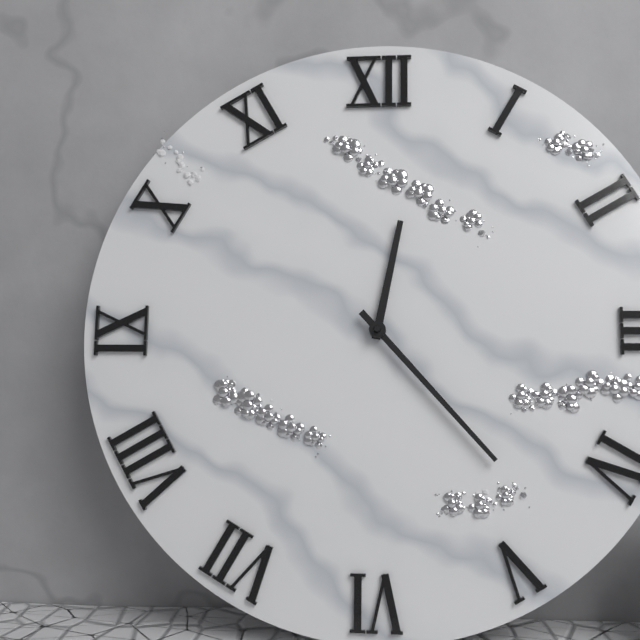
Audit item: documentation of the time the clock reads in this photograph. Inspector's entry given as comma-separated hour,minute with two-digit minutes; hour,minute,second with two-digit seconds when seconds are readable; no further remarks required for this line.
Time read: 12,23
